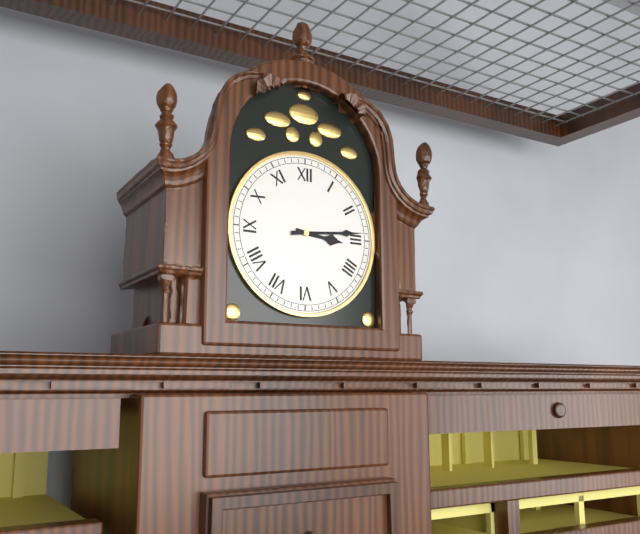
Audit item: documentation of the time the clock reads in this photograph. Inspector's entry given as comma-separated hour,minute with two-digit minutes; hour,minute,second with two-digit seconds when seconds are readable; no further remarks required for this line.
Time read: 3,14
